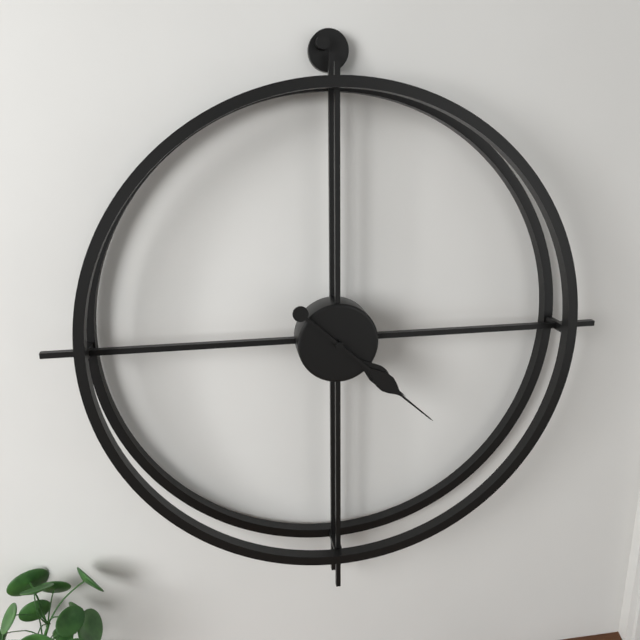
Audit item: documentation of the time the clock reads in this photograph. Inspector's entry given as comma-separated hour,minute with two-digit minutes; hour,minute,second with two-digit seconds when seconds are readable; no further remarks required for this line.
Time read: 4,22
